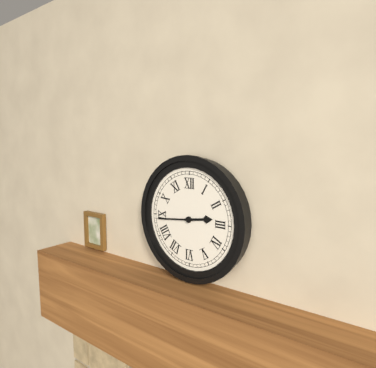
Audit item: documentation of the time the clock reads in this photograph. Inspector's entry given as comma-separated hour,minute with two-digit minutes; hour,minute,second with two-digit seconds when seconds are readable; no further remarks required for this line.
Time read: 2,44
